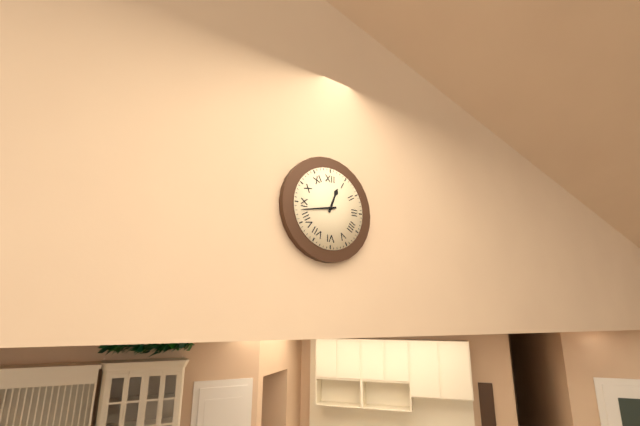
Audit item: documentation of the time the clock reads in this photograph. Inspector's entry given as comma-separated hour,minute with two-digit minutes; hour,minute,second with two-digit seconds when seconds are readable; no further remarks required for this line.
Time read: 12,43
